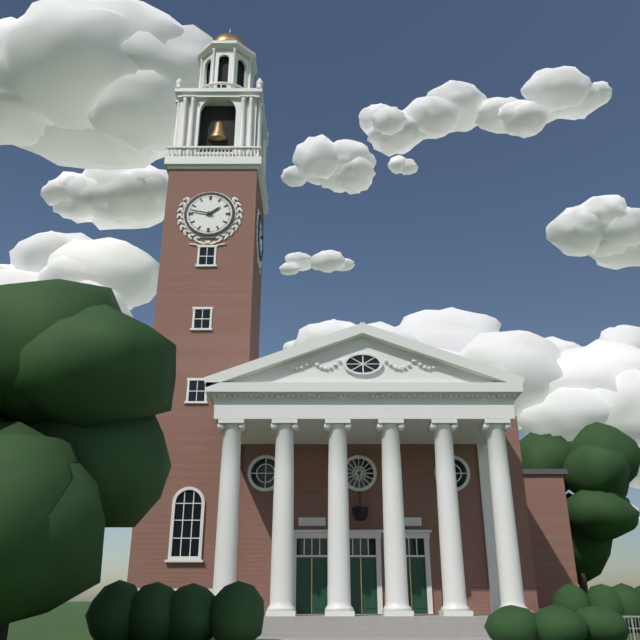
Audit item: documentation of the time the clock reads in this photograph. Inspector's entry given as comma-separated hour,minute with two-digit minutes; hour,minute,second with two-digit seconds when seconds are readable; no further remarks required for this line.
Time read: 1,47
